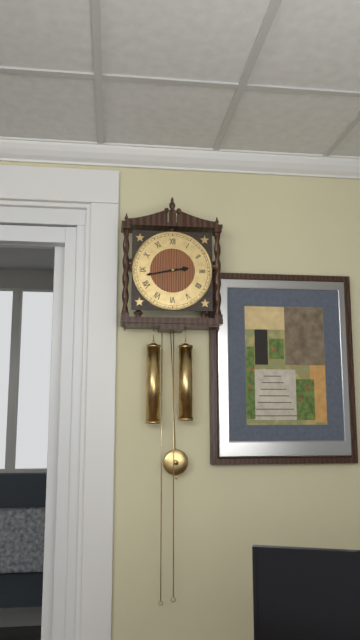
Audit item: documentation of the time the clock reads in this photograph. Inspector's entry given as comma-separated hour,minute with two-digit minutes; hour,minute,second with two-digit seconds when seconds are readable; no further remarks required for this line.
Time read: 2,43
